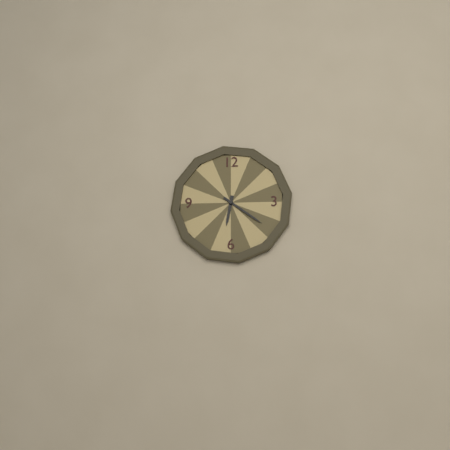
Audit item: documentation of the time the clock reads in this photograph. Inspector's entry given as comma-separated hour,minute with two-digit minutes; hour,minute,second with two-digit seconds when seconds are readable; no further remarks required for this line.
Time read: 6,21
